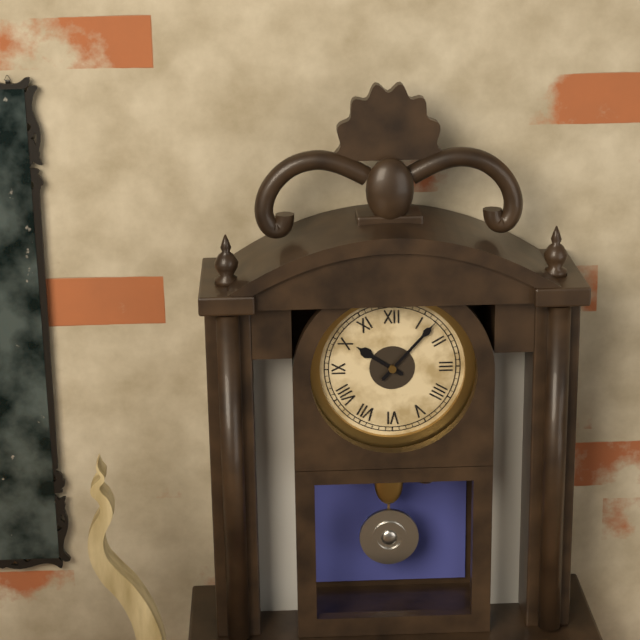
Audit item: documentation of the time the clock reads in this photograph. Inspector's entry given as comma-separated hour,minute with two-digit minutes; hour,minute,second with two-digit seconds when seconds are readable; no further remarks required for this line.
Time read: 10,07
